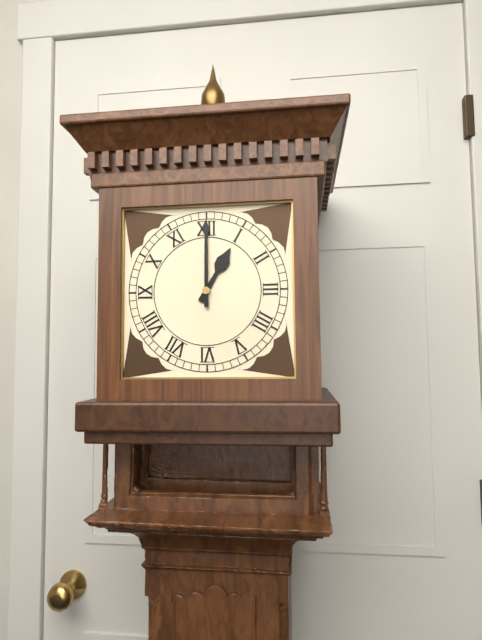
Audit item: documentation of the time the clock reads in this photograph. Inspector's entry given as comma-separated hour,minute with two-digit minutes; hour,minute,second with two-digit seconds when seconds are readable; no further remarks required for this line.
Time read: 1,00
